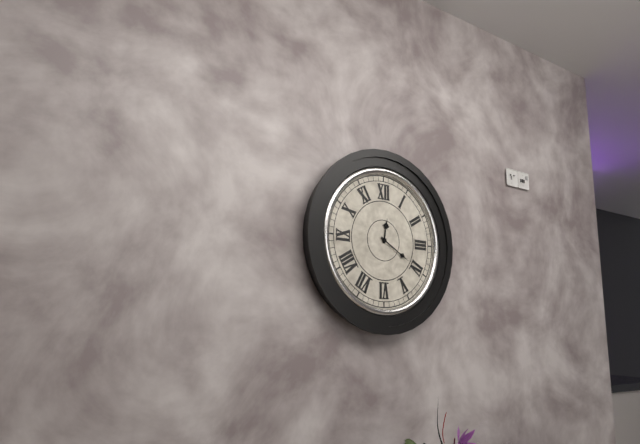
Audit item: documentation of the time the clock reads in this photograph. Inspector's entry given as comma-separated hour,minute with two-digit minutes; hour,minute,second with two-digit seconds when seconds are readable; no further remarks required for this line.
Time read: 12,20
